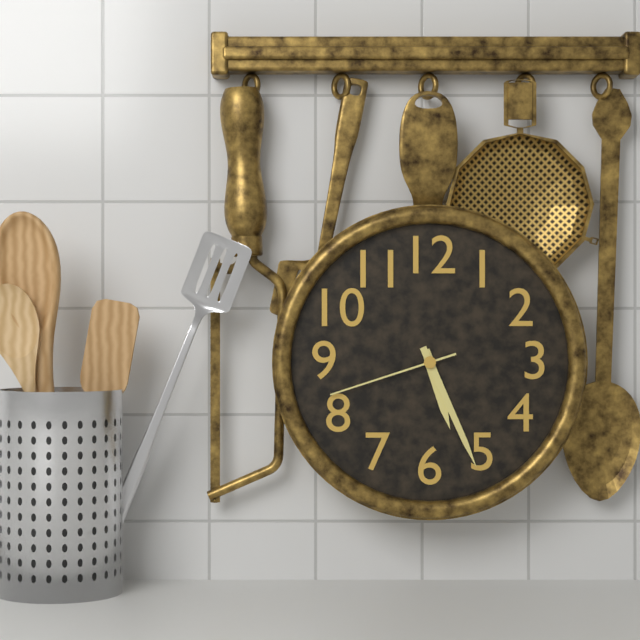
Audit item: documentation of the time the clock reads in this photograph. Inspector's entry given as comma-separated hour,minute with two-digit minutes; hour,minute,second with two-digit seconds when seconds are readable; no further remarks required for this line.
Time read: 5,26,42
